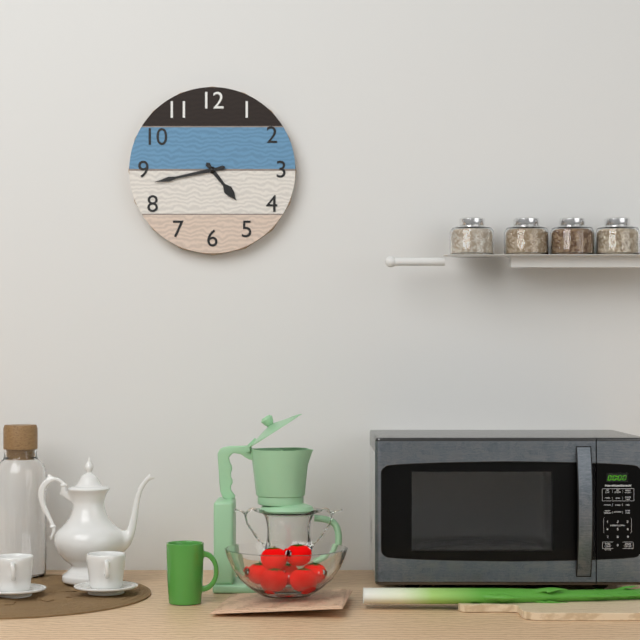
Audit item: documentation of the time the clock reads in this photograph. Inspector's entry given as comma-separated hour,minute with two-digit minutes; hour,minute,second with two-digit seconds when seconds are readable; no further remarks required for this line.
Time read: 4,43
